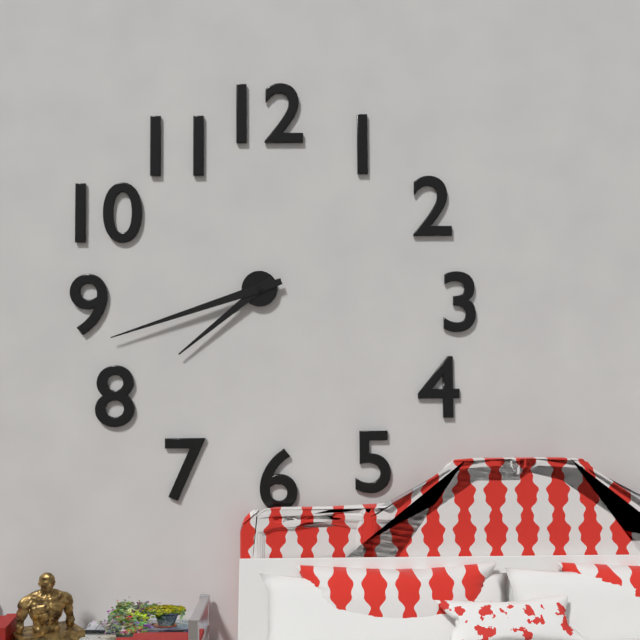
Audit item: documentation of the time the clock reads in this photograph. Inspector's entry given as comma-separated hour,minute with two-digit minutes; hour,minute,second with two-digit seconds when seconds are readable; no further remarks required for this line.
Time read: 7,42
